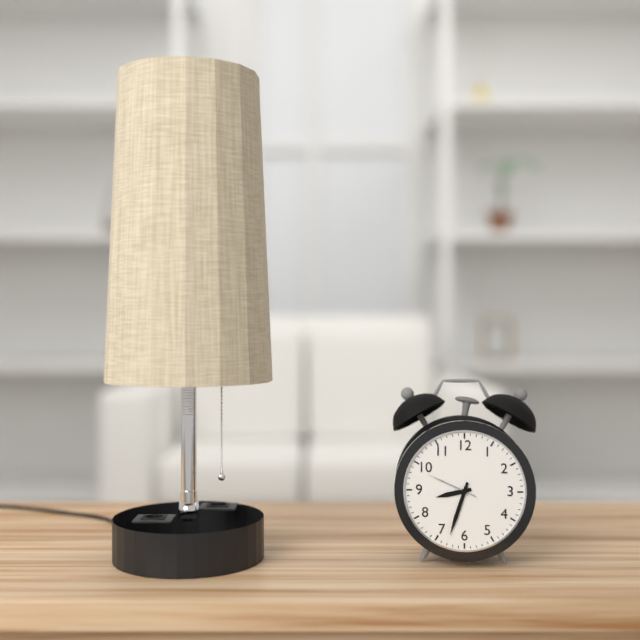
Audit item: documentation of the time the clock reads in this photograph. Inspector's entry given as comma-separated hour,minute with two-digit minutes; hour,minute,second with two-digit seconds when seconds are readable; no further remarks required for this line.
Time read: 8,33,49
